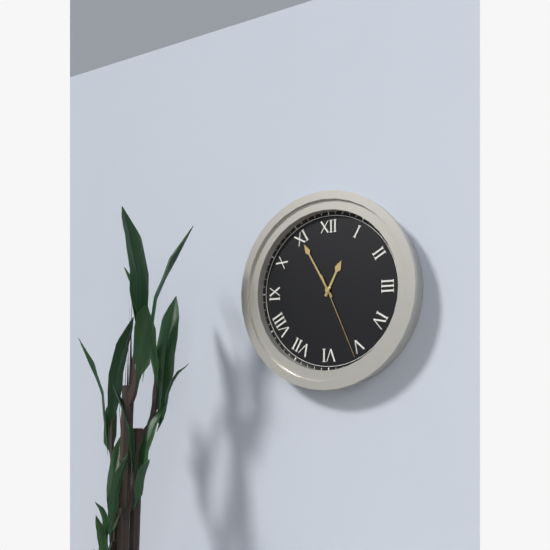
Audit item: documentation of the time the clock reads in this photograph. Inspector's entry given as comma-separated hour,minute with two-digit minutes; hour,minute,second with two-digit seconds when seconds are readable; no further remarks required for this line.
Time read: 12,55,26
